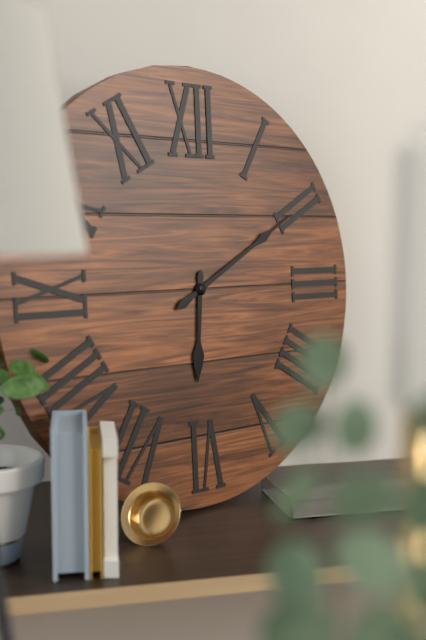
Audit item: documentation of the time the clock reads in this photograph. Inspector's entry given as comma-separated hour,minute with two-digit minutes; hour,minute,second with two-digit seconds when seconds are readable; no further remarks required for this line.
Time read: 6,10
